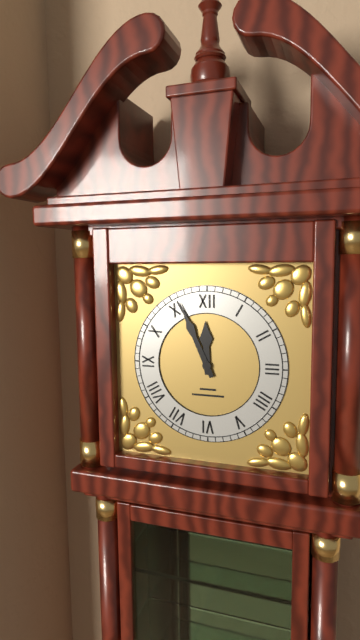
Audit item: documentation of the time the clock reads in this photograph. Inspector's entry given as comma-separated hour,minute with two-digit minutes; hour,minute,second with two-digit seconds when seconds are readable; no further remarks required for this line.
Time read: 11,56
